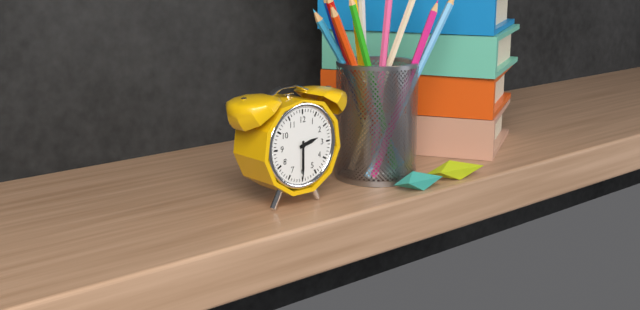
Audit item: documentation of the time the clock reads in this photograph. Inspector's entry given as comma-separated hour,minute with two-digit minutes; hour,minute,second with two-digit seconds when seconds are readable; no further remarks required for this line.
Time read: 2,30
